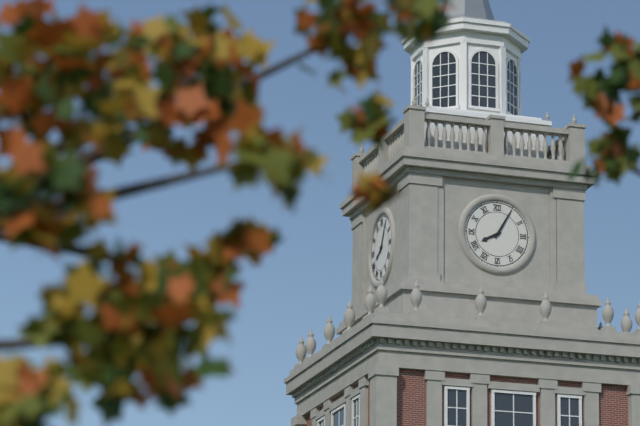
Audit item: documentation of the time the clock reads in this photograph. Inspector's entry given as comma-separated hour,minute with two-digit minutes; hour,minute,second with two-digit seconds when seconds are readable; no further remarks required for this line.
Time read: 8,05
